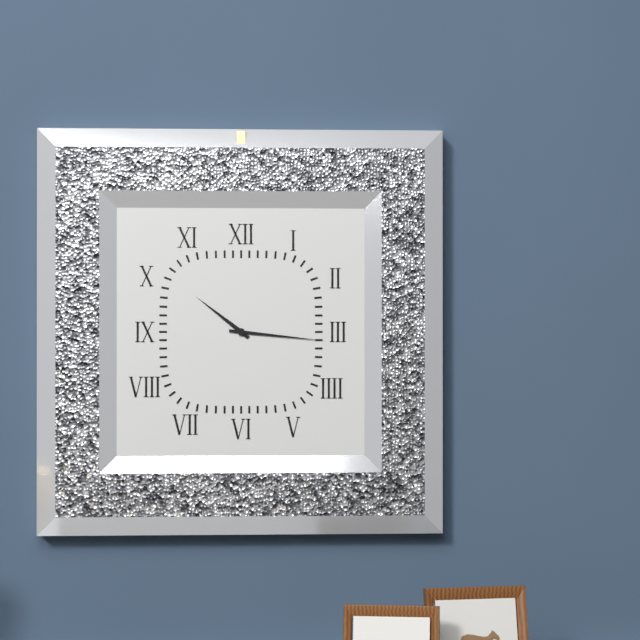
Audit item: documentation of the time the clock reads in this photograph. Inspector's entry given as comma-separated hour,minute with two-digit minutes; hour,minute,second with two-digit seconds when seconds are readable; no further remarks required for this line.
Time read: 10,16
